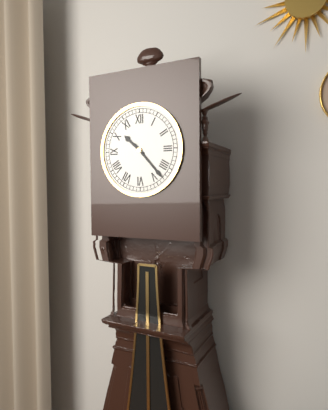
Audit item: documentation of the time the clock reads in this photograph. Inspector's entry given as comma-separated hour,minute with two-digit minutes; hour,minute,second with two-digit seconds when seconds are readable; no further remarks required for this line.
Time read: 10,23
